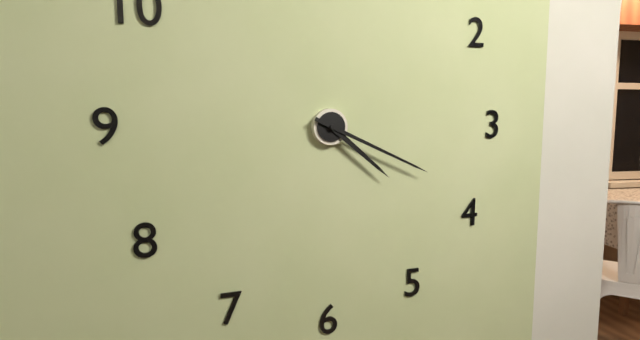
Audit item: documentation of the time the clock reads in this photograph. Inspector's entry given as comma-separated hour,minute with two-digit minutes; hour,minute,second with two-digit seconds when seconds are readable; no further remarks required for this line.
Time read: 4,19
